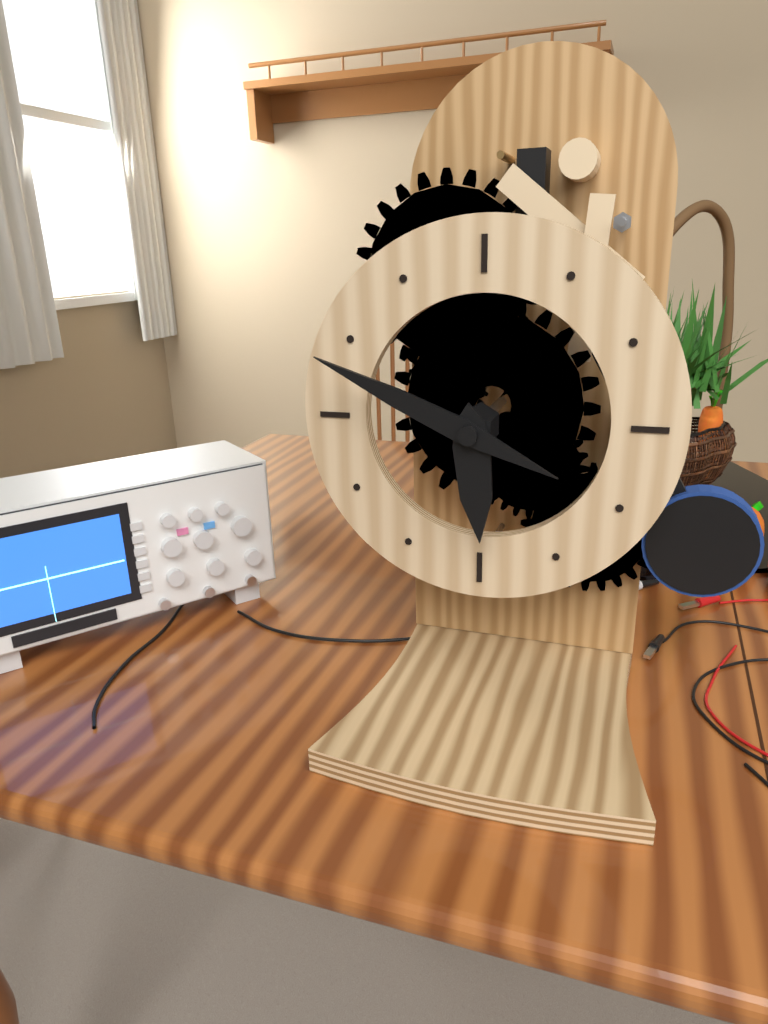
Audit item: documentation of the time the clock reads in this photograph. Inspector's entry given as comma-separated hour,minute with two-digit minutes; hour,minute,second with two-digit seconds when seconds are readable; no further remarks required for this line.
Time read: 5,49
